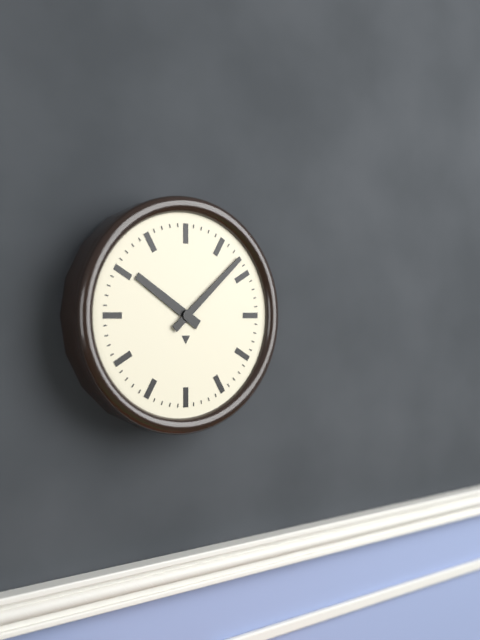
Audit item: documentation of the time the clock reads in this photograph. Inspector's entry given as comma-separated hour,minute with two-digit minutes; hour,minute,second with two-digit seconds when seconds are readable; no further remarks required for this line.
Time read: 10,08
